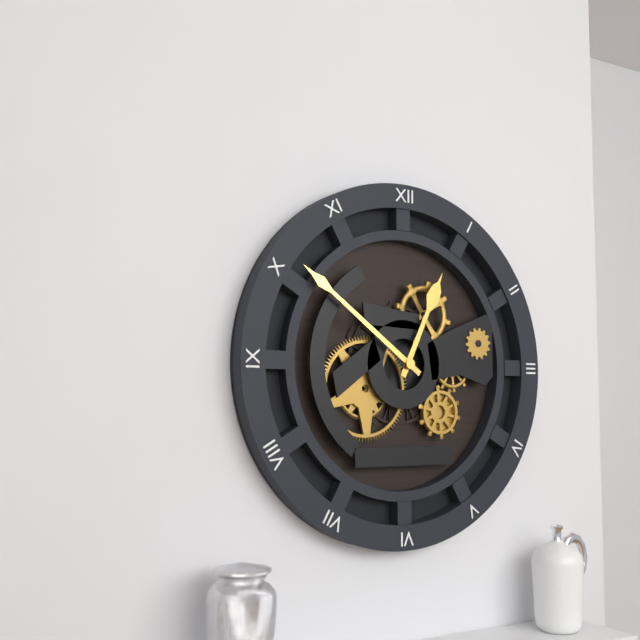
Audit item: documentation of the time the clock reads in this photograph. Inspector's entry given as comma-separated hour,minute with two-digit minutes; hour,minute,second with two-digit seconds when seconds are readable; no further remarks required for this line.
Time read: 12,51
